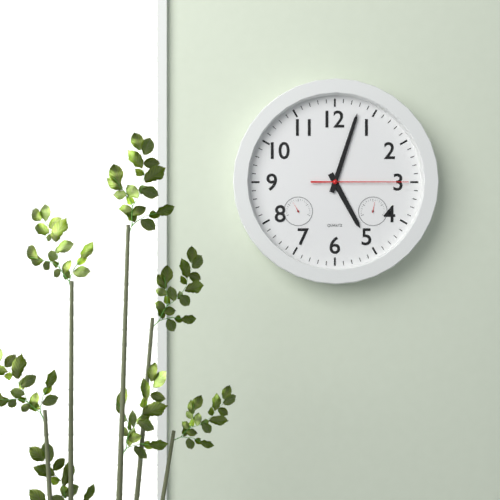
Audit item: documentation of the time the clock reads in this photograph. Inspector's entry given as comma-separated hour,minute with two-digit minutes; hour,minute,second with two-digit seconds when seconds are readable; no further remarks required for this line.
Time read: 5,03,15
